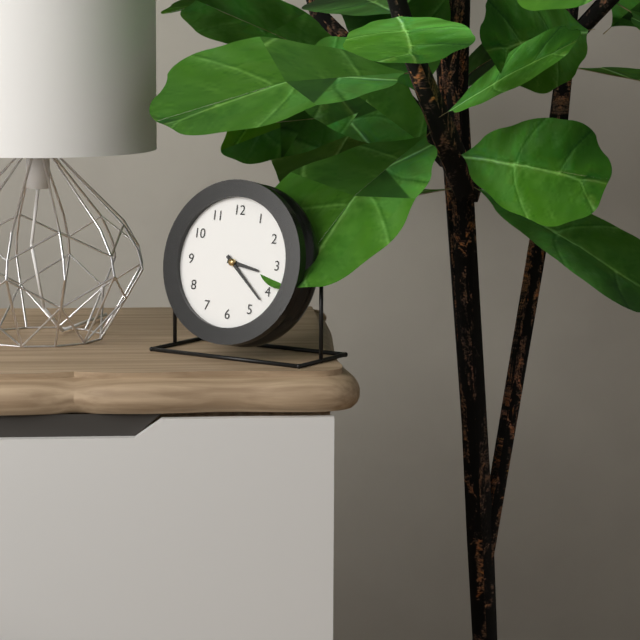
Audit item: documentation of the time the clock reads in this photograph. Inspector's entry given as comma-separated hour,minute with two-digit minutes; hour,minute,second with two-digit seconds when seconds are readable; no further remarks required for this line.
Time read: 3,22
